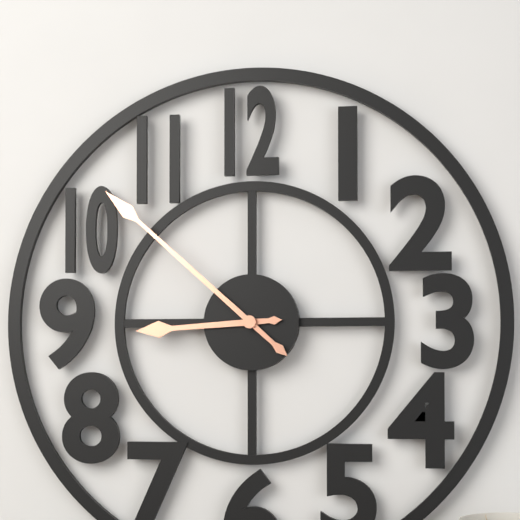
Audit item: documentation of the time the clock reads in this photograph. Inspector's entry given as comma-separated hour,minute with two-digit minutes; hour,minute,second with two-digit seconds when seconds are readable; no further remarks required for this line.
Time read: 8,52
